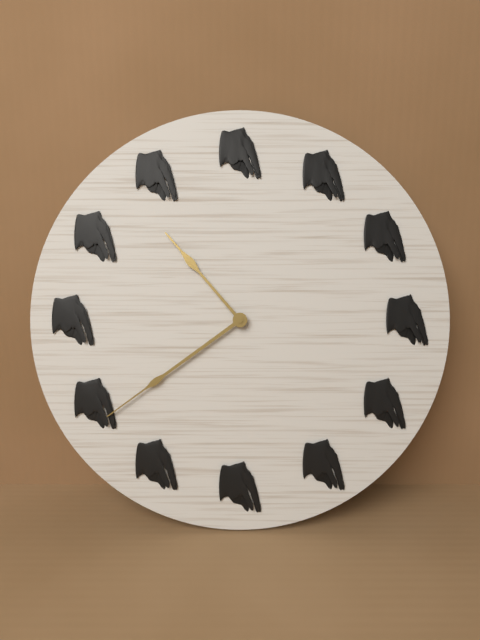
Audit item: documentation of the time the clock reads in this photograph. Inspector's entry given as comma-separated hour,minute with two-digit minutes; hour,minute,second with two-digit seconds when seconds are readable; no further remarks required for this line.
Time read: 10,39
